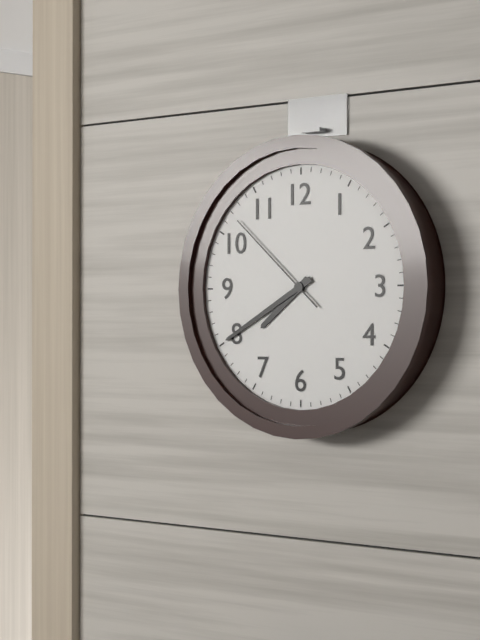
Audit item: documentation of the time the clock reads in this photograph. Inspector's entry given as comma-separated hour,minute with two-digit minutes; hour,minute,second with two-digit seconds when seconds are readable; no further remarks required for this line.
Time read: 7,40,52
